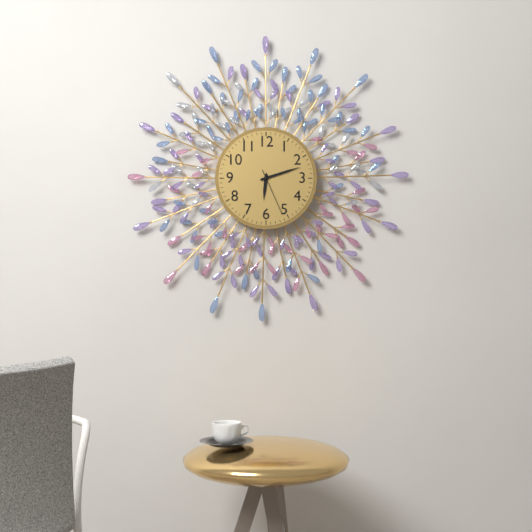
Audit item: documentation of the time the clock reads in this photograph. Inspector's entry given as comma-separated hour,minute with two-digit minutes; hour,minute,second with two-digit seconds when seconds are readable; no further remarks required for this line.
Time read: 6,12
